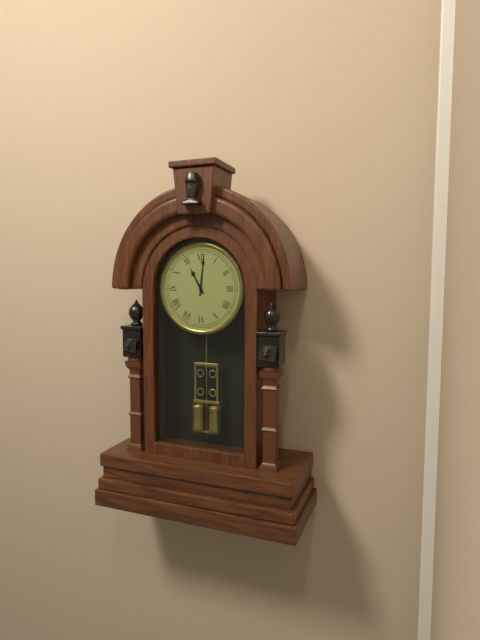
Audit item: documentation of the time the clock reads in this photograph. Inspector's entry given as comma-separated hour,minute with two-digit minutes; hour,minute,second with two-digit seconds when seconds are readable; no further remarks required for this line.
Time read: 11,01
